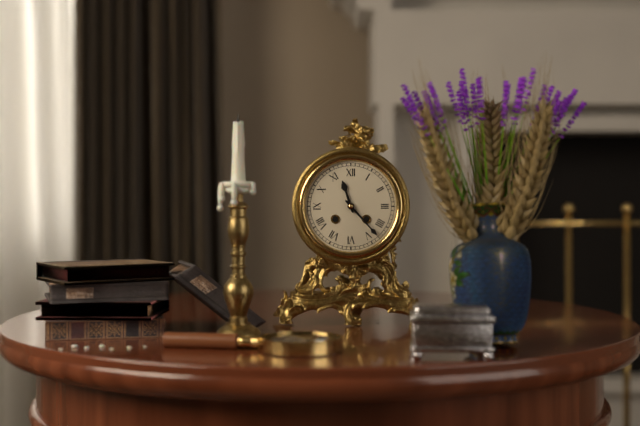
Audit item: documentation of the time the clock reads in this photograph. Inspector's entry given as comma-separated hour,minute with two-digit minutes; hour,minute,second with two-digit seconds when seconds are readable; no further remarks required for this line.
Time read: 11,23
